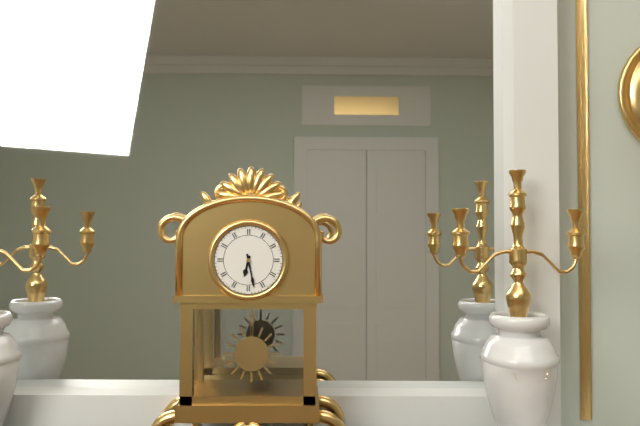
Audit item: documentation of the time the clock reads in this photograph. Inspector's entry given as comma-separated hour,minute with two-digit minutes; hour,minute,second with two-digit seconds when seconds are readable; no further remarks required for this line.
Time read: 6,28
